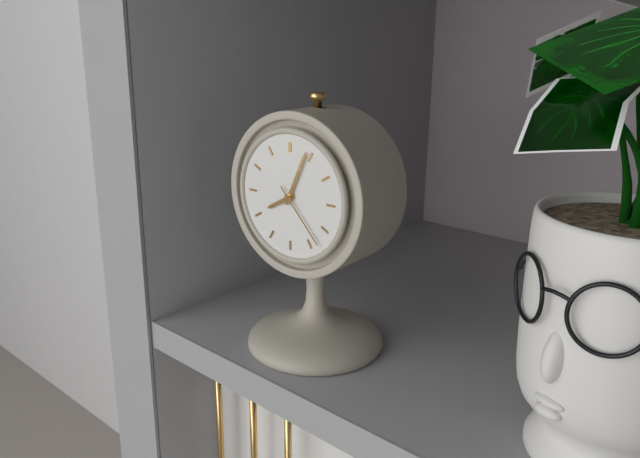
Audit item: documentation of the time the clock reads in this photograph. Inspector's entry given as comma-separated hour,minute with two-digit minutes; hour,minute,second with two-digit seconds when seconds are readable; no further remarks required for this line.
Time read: 8,04,23
